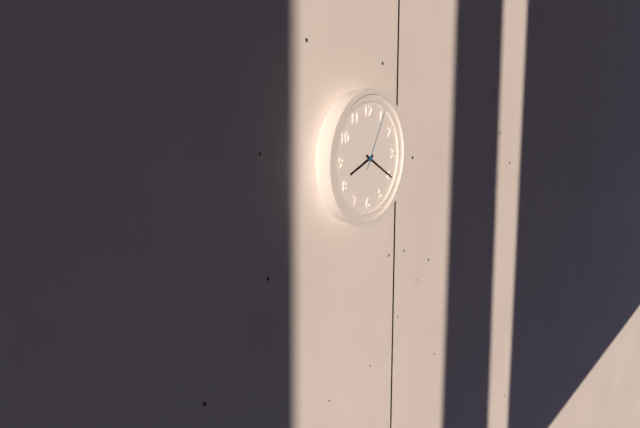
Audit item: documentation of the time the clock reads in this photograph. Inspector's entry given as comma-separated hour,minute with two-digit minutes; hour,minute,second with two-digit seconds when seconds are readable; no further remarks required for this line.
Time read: 8,20,05
